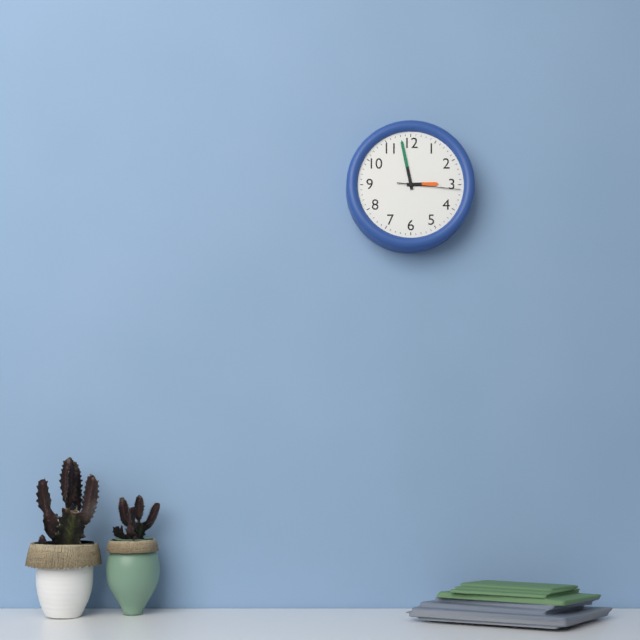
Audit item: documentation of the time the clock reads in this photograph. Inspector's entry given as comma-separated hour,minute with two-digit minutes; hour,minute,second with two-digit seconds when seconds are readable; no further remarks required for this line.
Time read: 2,58,16
